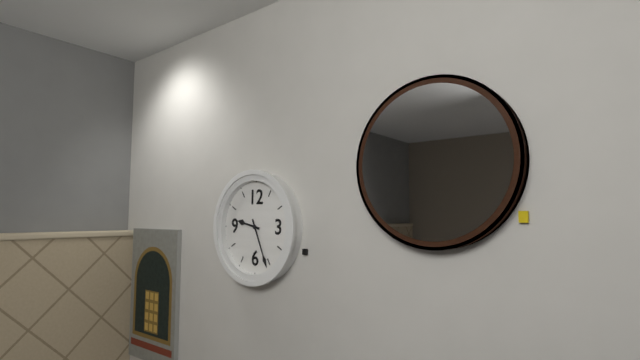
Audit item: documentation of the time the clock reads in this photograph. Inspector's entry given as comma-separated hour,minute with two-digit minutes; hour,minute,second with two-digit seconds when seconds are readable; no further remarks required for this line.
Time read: 9,26
